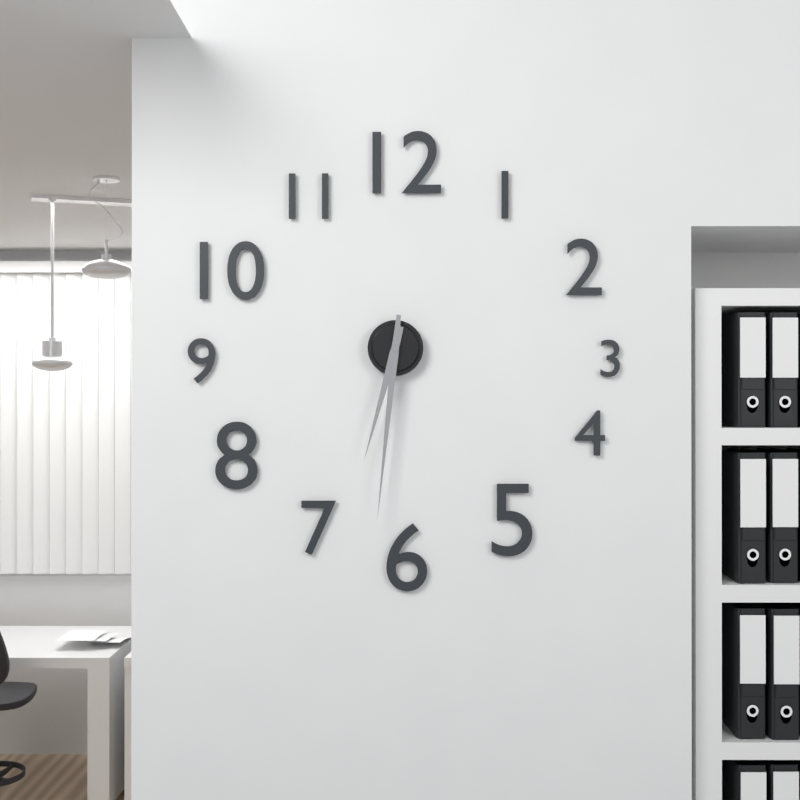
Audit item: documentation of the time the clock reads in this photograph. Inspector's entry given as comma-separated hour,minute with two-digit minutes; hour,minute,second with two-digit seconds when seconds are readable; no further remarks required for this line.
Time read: 6,31
